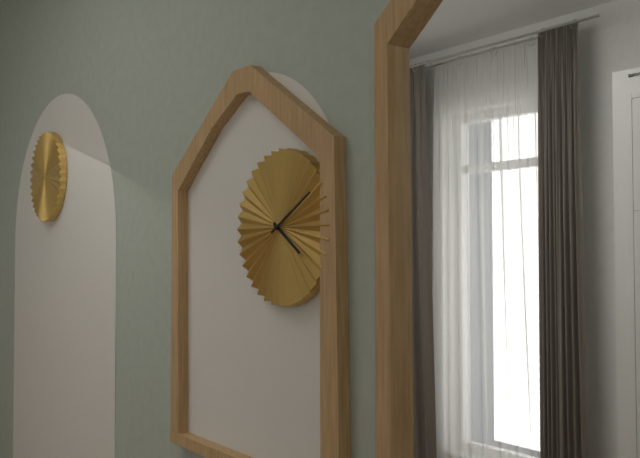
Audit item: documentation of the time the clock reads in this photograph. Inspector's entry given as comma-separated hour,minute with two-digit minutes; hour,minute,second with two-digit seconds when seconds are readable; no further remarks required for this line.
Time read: 4,10
